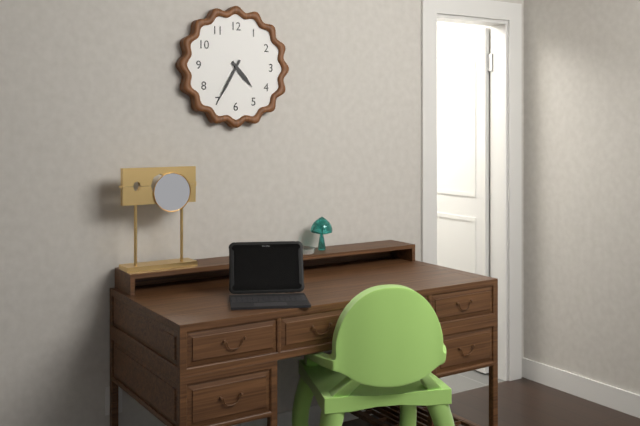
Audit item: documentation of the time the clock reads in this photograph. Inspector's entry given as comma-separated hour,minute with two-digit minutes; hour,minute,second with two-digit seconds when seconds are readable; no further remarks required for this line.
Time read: 4,35
